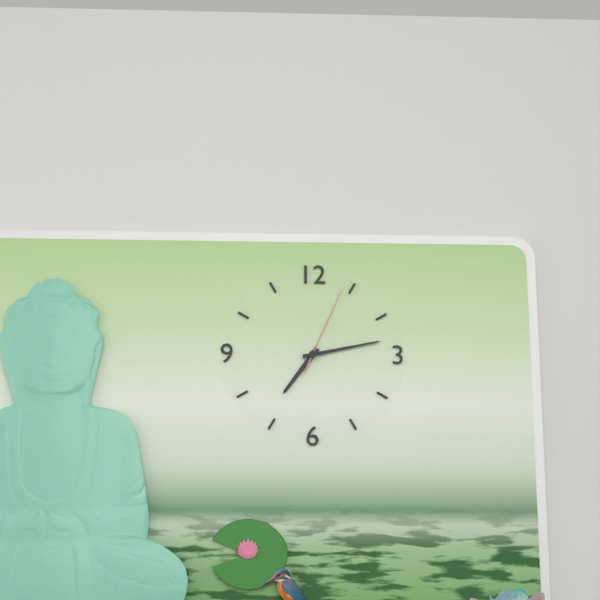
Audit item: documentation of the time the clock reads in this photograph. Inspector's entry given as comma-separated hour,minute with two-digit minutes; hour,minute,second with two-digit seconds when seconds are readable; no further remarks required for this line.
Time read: 7,13,04
